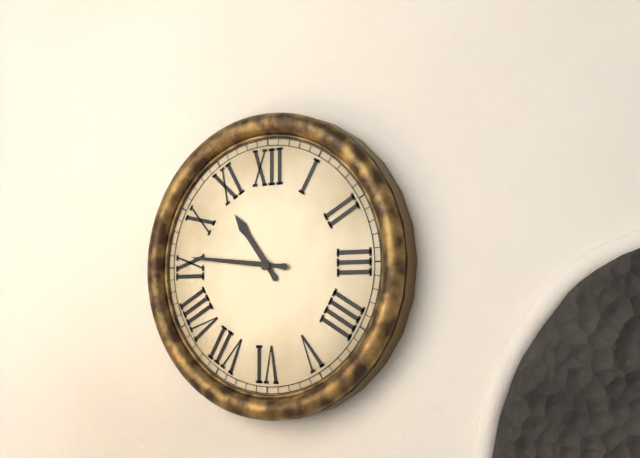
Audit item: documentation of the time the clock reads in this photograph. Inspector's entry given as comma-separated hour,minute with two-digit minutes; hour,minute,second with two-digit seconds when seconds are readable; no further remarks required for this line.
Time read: 10,46
